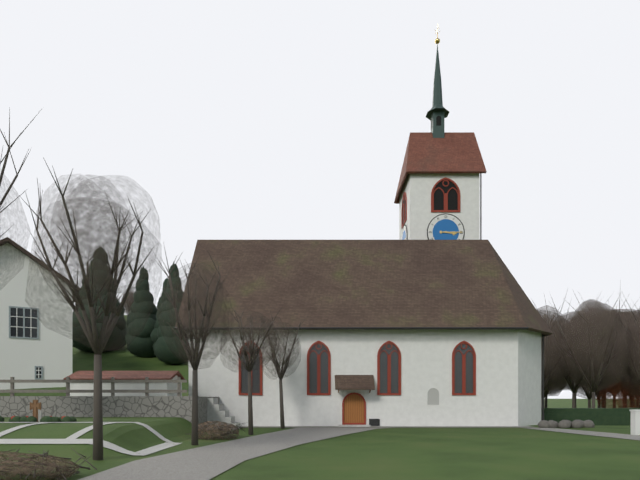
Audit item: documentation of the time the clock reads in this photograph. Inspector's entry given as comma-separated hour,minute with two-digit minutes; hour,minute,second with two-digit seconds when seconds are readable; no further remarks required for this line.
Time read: 3,15
